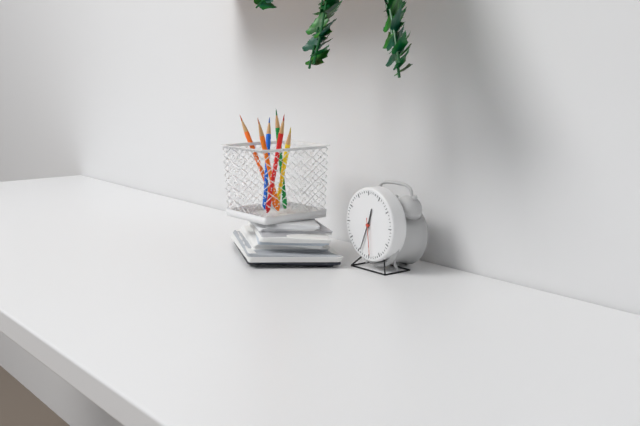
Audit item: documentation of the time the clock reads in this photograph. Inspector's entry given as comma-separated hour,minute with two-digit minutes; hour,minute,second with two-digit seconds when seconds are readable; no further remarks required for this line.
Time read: 12,34
